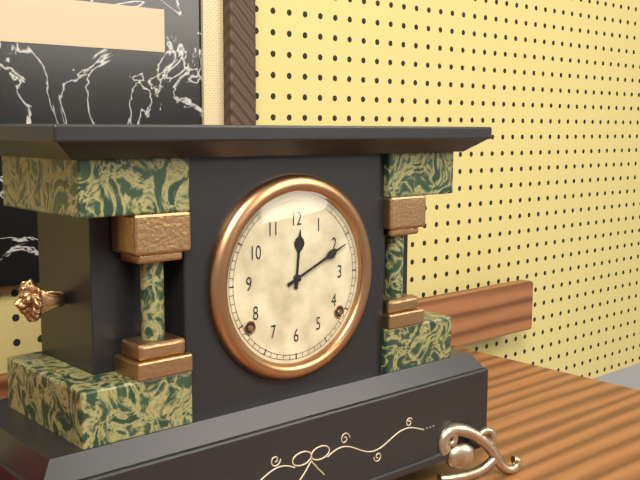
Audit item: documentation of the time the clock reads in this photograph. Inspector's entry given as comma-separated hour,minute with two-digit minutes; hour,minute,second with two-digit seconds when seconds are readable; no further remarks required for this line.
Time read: 12,11
